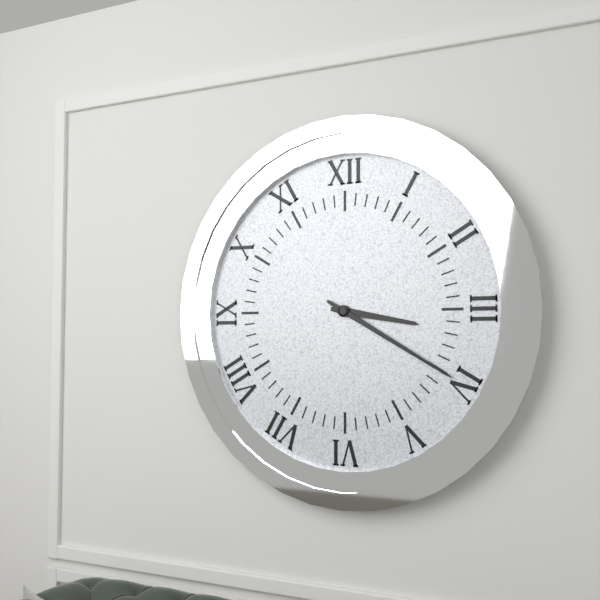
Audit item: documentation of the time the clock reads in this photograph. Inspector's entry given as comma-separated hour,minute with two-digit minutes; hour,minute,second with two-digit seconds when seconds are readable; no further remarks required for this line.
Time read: 3,20
